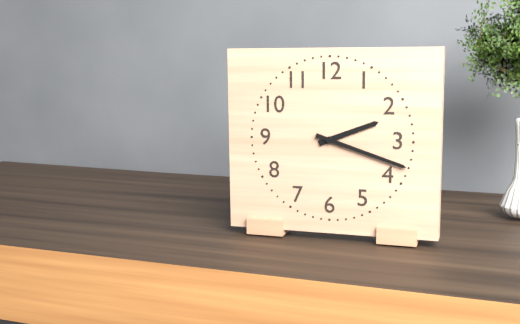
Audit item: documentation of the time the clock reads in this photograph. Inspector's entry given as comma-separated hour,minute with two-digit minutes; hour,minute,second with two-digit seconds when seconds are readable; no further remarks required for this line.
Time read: 2,18
